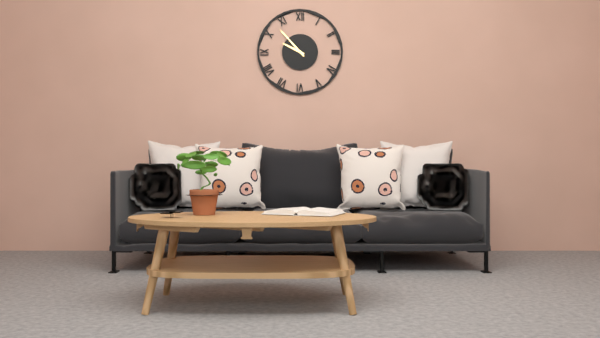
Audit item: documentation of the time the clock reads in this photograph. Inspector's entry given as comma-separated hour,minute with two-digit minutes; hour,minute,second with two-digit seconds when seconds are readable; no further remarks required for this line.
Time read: 9,53
